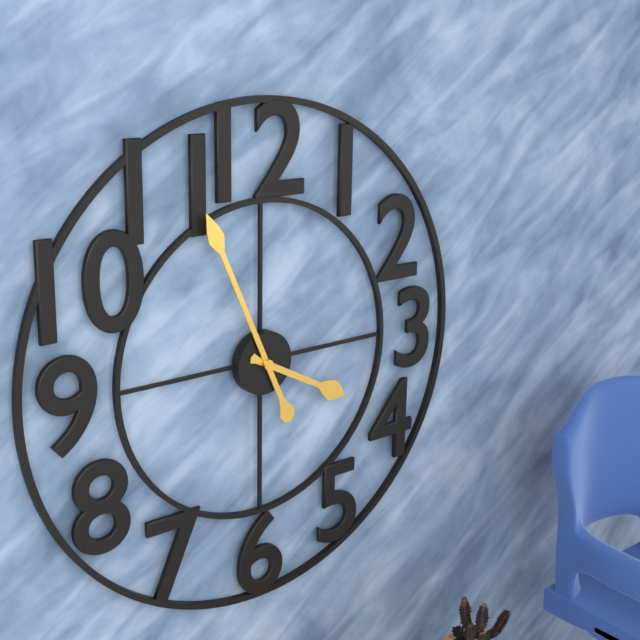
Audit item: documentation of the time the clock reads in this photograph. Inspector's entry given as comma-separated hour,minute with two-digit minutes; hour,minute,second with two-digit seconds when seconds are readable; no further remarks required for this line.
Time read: 3,56
